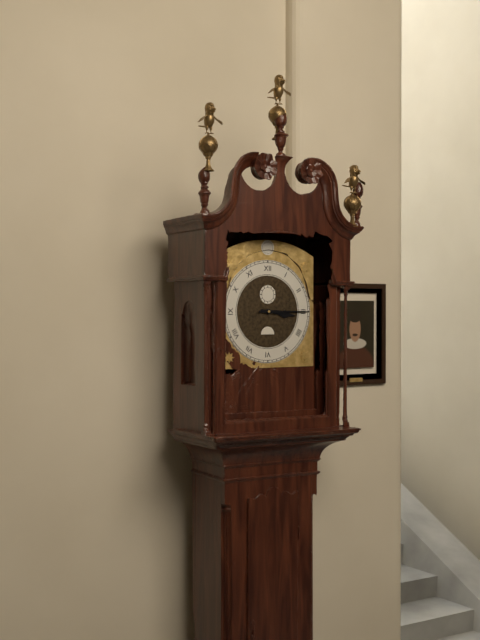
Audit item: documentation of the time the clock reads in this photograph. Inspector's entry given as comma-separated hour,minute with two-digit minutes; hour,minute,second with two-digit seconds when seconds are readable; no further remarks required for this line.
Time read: 3,15
